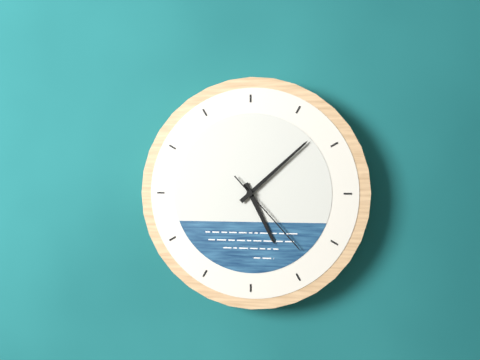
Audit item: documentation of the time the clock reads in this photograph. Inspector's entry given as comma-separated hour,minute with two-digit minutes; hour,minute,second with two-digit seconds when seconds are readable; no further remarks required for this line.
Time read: 5,08,23
